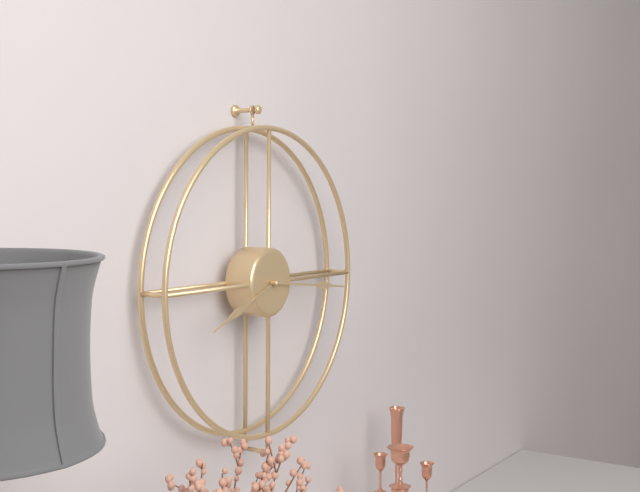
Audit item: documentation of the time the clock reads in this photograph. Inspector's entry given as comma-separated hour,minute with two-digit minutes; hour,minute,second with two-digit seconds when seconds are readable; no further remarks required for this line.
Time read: 8,16
